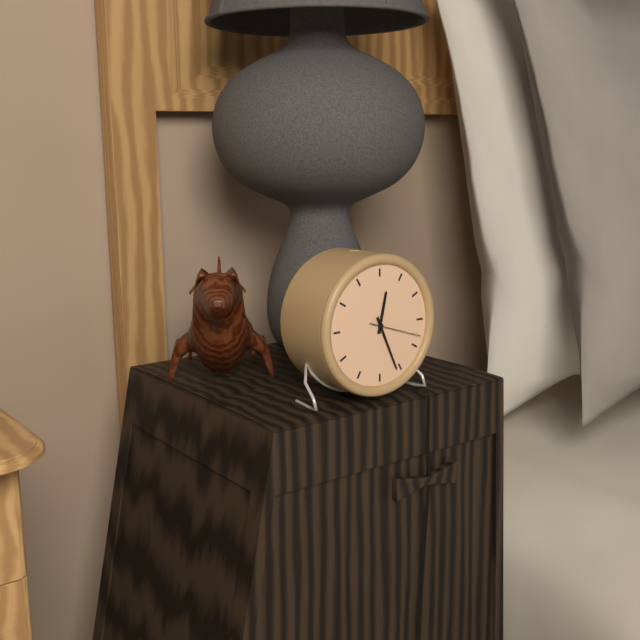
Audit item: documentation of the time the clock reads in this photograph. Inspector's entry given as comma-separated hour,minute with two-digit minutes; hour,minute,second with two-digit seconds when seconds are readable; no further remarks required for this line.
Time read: 12,26,18
